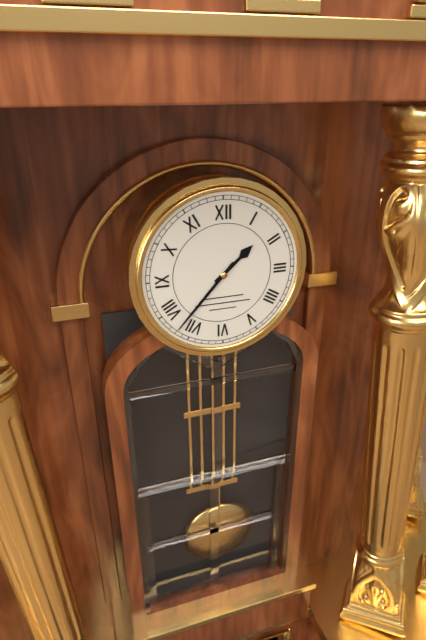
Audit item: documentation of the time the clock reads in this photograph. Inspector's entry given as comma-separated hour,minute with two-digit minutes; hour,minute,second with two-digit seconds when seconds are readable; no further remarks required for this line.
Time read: 1,37
